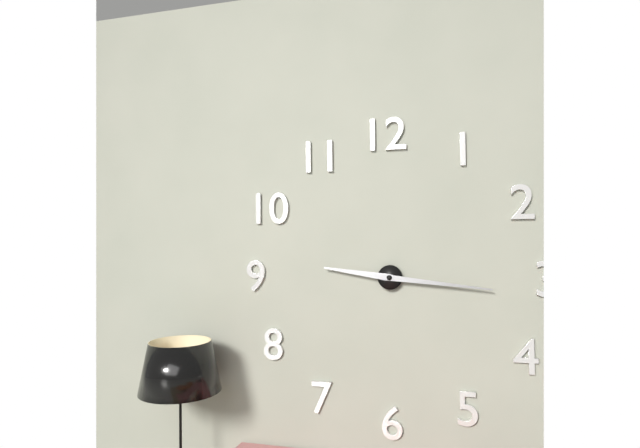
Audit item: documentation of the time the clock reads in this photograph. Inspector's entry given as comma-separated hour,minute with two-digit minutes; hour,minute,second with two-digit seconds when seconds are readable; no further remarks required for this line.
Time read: 9,16
